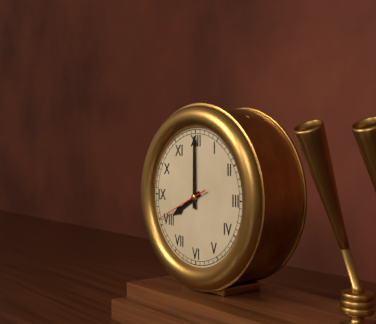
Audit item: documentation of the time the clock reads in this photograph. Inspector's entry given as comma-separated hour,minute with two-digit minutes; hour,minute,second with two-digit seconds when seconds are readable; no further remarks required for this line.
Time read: 8,00,41
